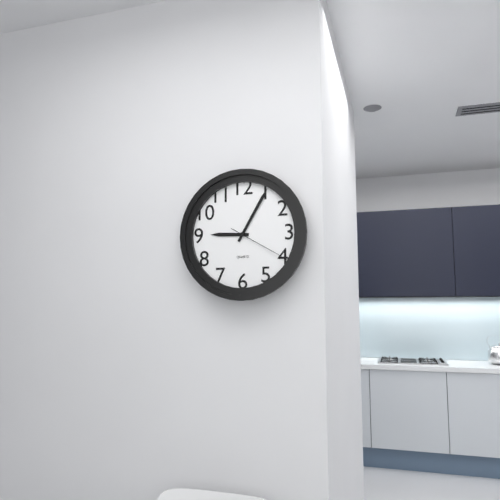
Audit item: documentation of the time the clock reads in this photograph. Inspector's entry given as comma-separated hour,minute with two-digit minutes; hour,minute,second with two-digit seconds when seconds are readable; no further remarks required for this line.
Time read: 9,05,20
